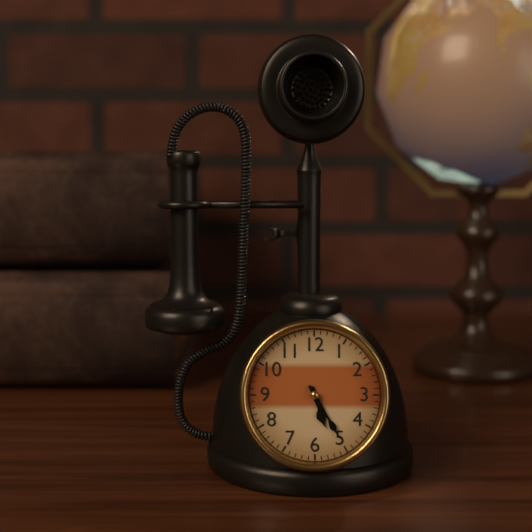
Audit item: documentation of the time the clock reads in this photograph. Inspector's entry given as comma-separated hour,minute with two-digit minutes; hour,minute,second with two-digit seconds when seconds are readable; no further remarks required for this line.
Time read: 5,25
